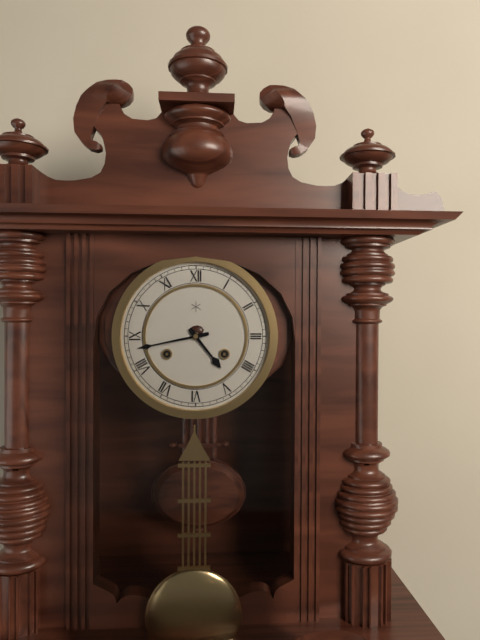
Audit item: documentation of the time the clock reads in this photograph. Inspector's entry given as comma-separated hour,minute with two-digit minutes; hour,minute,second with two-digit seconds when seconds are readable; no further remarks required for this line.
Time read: 4,43
